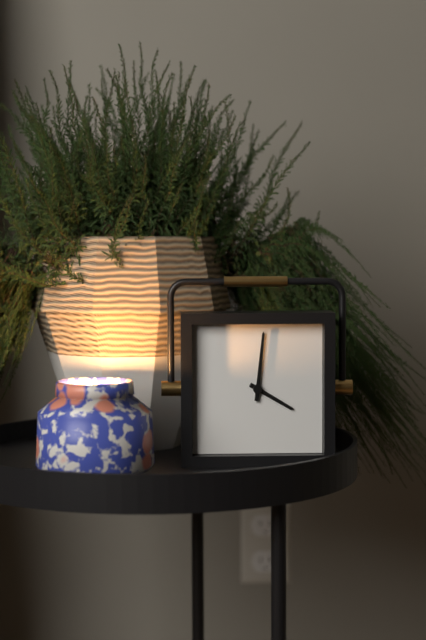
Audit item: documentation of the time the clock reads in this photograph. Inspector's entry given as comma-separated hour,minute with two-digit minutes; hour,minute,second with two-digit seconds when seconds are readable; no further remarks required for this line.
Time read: 4,01
